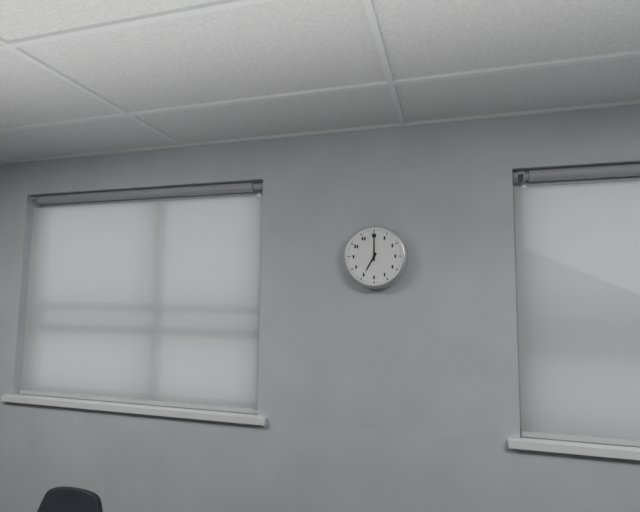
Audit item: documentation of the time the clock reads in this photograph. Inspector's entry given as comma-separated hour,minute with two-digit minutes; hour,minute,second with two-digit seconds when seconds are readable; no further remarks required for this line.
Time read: 7,00
